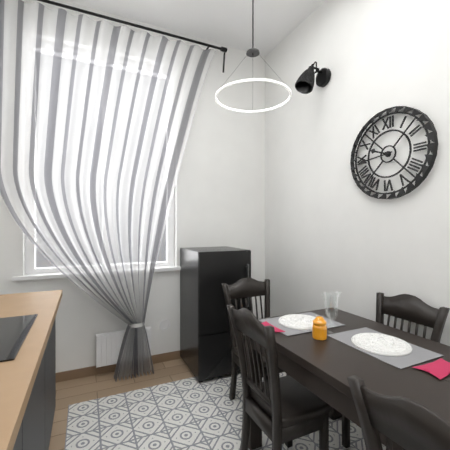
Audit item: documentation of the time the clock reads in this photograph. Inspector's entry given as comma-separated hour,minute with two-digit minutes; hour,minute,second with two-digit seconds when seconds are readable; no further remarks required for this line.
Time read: 9,44
